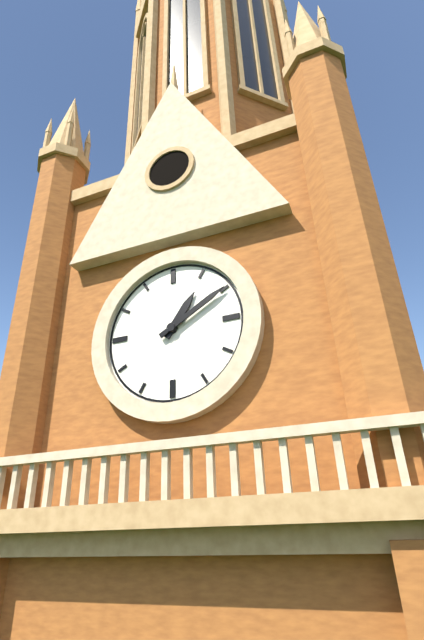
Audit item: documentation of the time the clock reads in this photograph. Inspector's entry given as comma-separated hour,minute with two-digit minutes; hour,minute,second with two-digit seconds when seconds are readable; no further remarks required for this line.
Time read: 1,10
